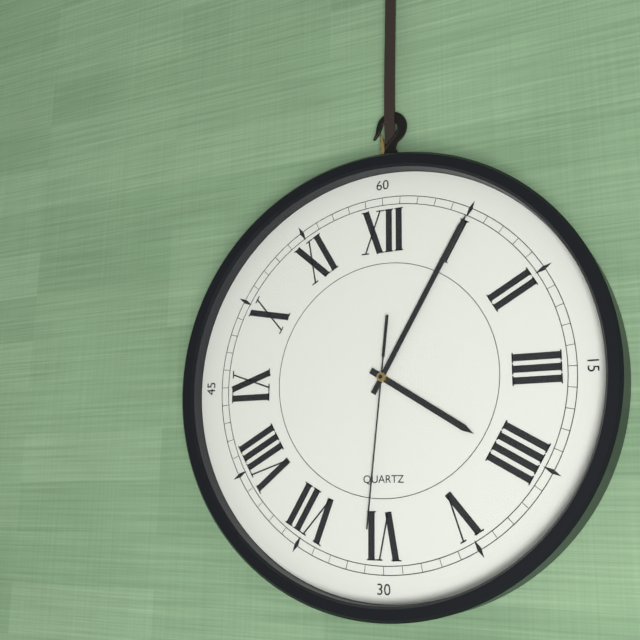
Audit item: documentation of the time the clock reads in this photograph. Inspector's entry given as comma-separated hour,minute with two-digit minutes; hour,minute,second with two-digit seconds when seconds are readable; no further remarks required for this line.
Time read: 4,05,31
